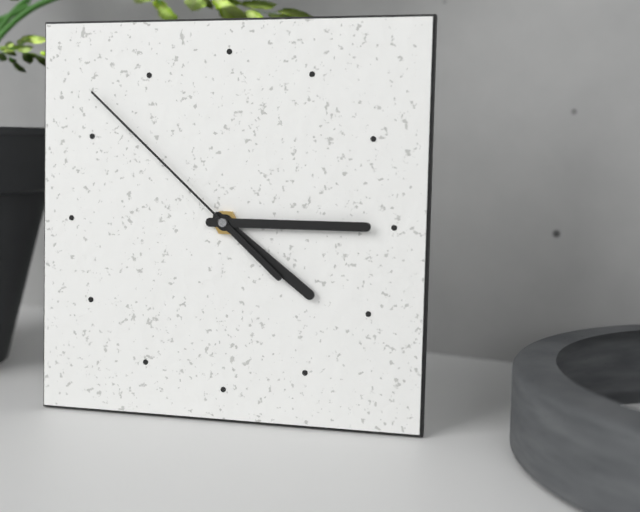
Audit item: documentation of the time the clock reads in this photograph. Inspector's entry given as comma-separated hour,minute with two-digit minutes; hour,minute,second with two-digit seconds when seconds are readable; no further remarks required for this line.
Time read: 4,15,52
